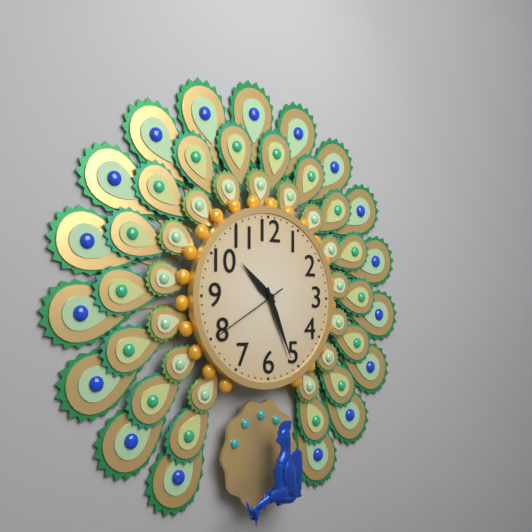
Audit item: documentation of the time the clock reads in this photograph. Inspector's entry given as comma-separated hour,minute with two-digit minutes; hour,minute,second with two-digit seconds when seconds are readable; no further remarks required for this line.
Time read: 10,26,40
